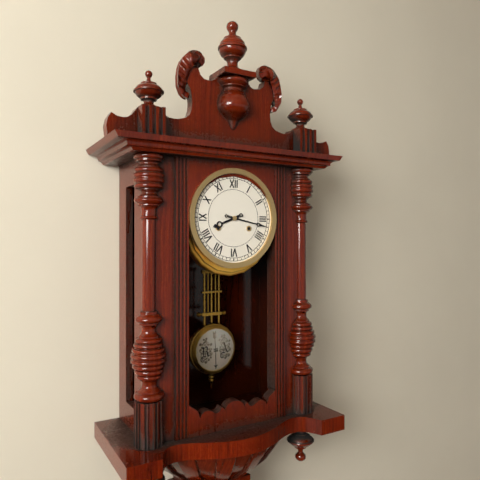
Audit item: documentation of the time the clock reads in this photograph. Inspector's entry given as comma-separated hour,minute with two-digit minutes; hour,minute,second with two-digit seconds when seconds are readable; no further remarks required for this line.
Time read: 8,17
